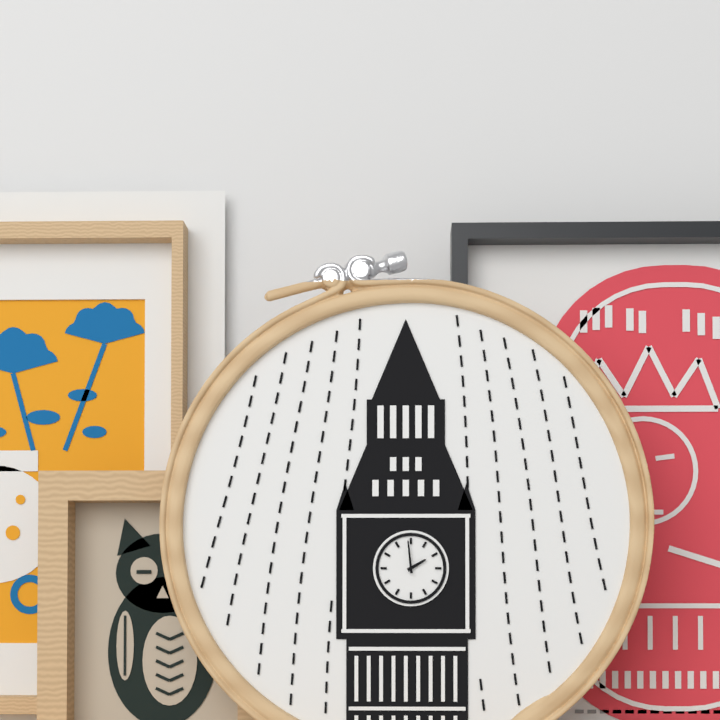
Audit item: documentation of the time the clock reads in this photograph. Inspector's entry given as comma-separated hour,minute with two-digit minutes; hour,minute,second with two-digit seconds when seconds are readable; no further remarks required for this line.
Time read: 1,59
